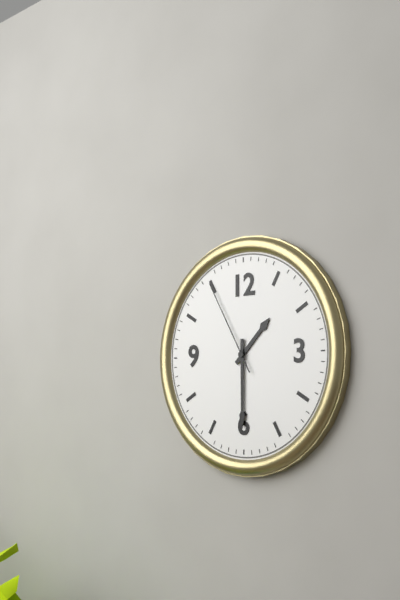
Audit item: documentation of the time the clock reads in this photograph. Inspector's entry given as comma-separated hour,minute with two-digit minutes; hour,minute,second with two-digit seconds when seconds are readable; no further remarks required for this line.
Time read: 1,30,55
